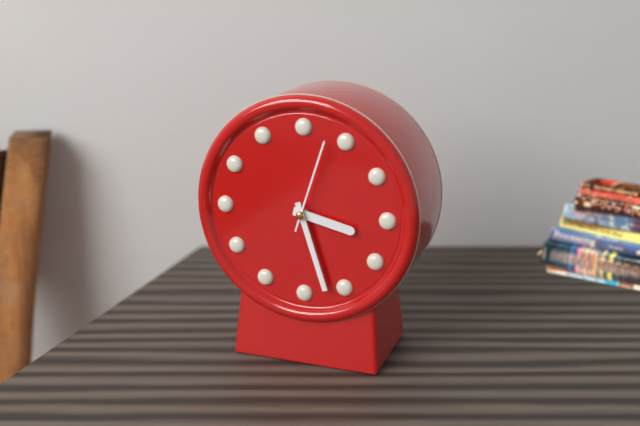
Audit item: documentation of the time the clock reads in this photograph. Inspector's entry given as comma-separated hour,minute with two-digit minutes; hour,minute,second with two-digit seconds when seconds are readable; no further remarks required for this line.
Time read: 3,27,03
